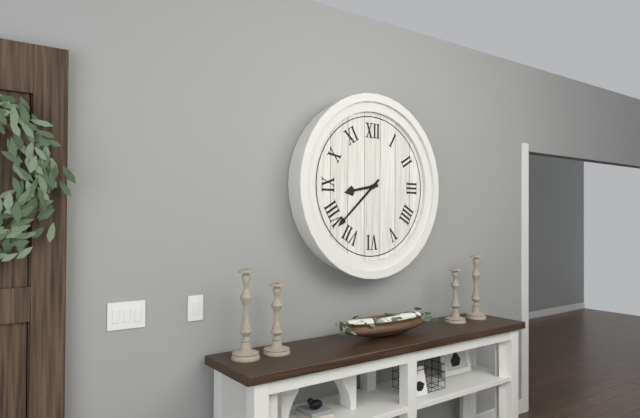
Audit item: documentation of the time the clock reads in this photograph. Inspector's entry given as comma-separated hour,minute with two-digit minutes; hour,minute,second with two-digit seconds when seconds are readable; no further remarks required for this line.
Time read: 8,38
